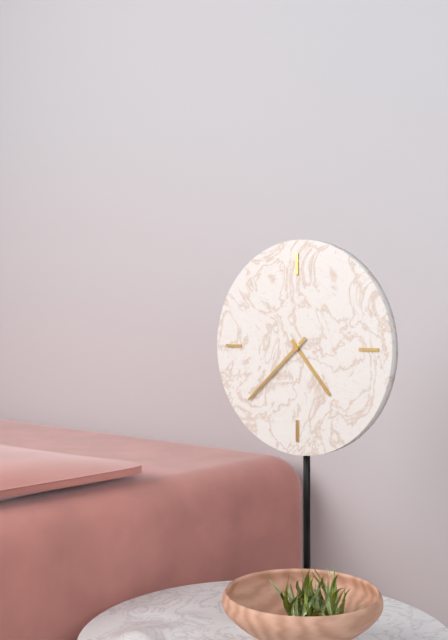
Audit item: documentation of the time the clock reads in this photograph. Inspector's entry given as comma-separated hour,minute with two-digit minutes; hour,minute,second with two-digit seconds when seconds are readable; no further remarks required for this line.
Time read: 4,38
